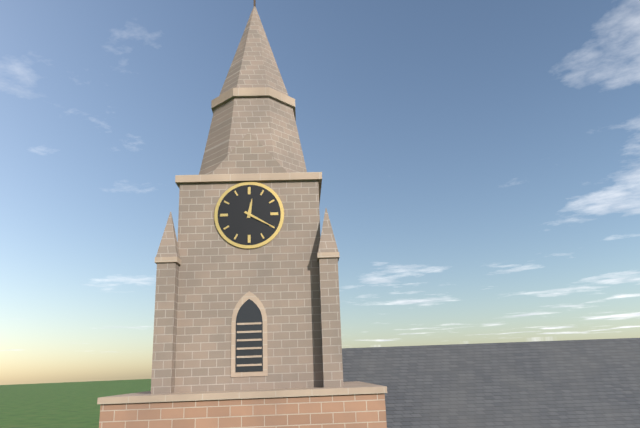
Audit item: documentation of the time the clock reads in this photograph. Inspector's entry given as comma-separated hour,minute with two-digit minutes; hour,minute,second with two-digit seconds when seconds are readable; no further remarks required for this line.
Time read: 12,20
